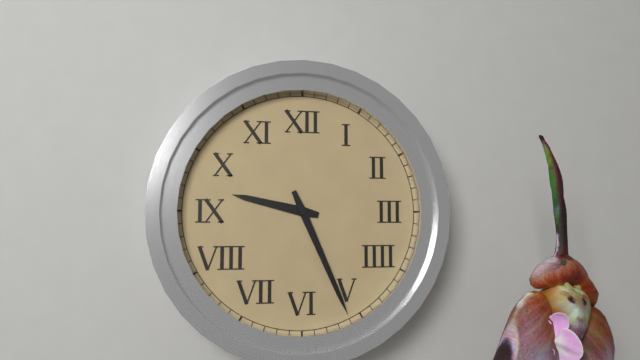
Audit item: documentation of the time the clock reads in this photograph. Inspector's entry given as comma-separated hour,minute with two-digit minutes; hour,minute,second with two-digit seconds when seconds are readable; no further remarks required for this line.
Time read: 9,26
